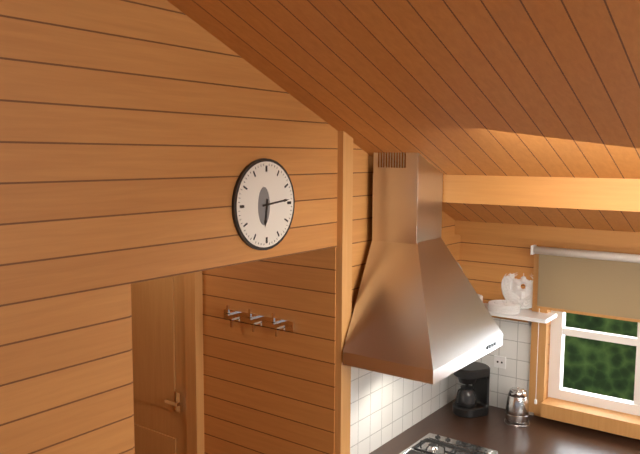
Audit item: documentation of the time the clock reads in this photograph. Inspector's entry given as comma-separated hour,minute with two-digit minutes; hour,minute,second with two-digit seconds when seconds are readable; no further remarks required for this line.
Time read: 6,14
